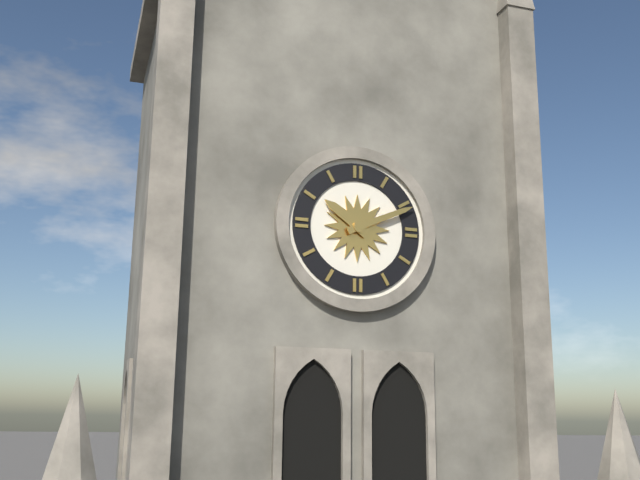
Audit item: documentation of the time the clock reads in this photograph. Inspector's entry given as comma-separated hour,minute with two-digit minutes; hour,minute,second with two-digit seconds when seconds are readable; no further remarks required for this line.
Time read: 10,11
